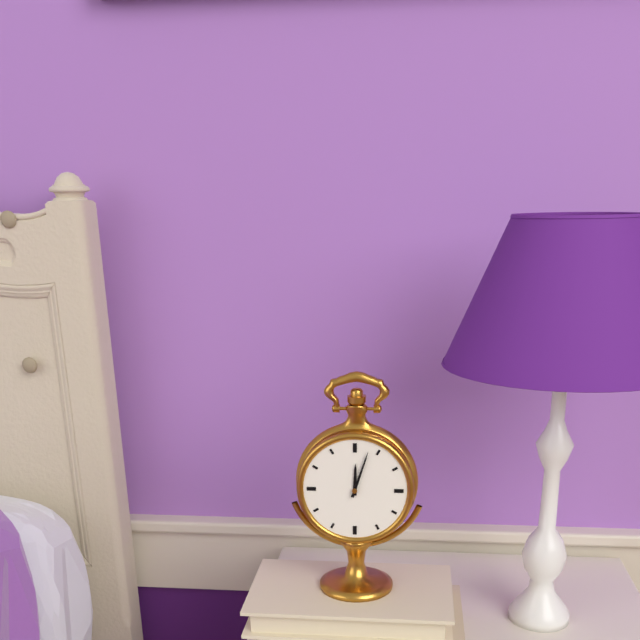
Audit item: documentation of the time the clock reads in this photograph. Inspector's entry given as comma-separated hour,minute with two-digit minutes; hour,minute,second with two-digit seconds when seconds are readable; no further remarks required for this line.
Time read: 12,03
